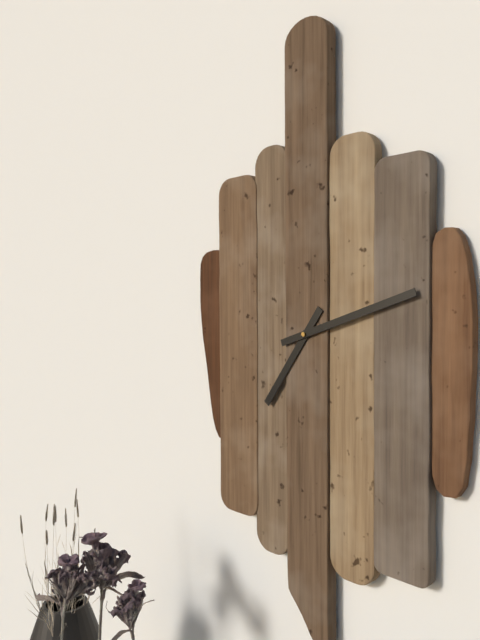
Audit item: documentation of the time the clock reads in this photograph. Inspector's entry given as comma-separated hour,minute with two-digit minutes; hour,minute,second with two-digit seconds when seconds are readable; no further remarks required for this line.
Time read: 7,12
